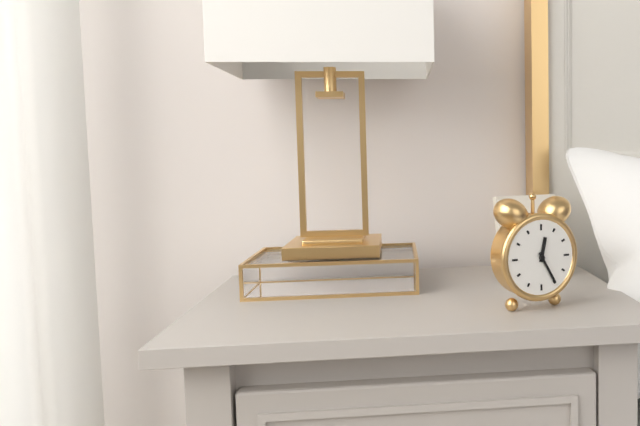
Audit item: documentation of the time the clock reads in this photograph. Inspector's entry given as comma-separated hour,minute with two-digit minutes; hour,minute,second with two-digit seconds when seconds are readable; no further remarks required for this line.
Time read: 12,25
